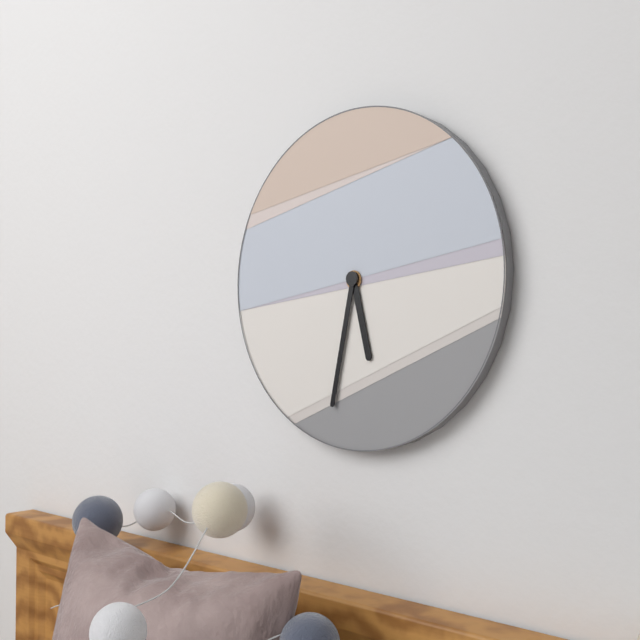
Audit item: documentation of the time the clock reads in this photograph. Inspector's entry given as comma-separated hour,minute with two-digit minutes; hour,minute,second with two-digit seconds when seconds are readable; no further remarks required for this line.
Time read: 5,32
